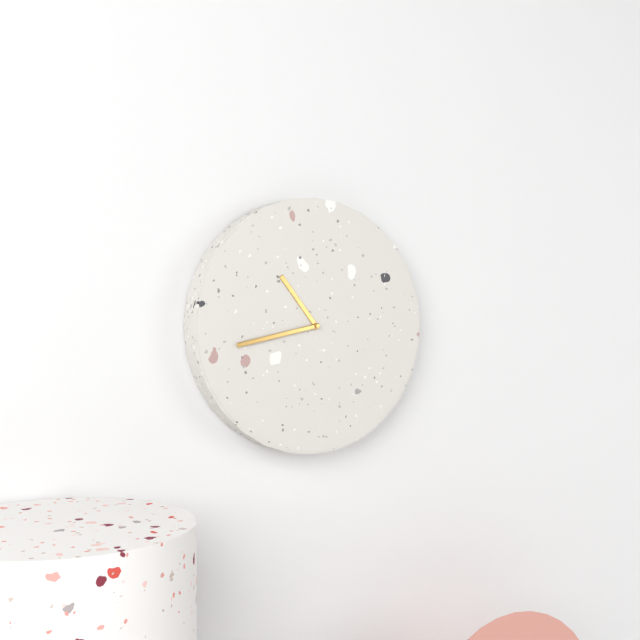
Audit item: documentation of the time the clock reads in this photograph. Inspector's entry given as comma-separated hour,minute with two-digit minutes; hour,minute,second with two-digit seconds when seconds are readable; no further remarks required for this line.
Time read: 10,43
